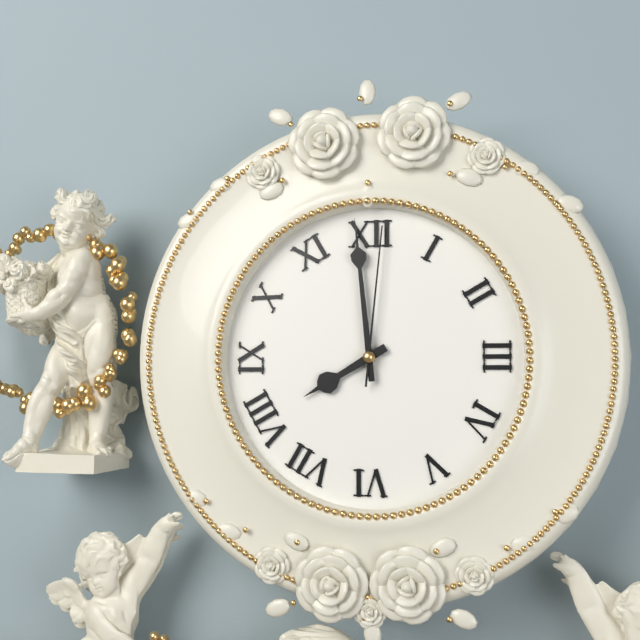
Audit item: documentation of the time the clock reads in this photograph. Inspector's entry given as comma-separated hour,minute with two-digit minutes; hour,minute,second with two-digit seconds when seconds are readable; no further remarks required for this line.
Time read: 7,59,01
